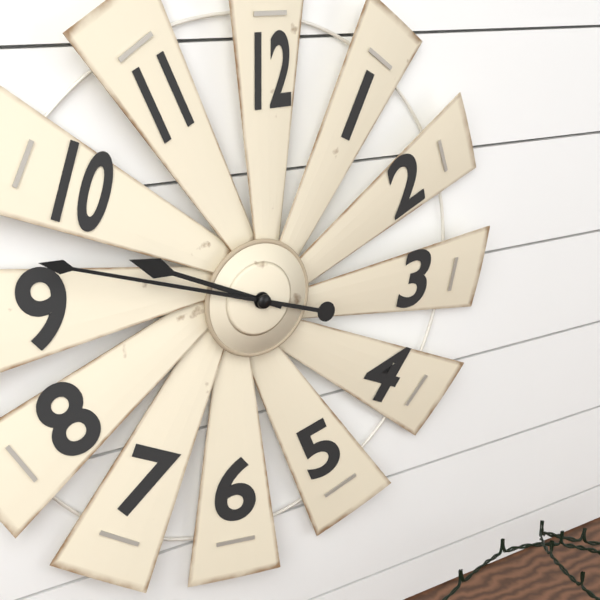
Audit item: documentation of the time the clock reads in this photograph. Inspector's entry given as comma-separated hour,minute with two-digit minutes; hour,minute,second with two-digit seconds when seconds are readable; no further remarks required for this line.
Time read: 9,48
